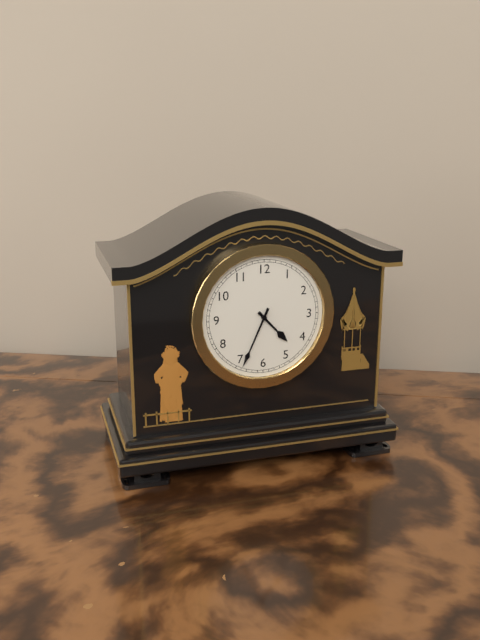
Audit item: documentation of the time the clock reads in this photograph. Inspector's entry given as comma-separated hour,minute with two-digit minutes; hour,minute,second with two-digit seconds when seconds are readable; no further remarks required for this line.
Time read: 4,34
